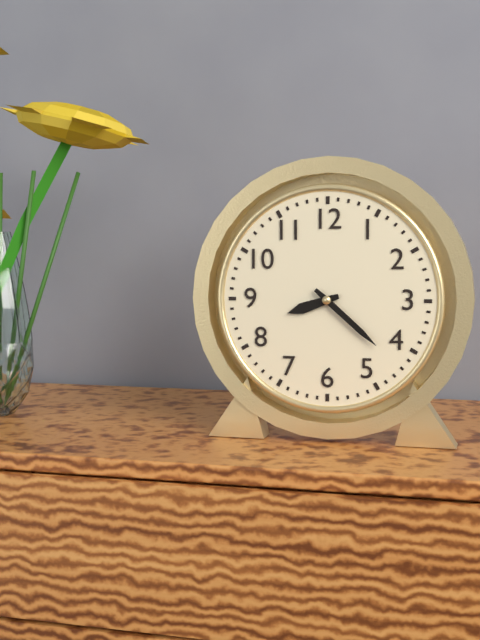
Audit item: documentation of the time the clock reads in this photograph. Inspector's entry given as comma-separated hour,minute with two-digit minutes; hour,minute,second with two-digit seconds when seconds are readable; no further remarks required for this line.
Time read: 8,22
